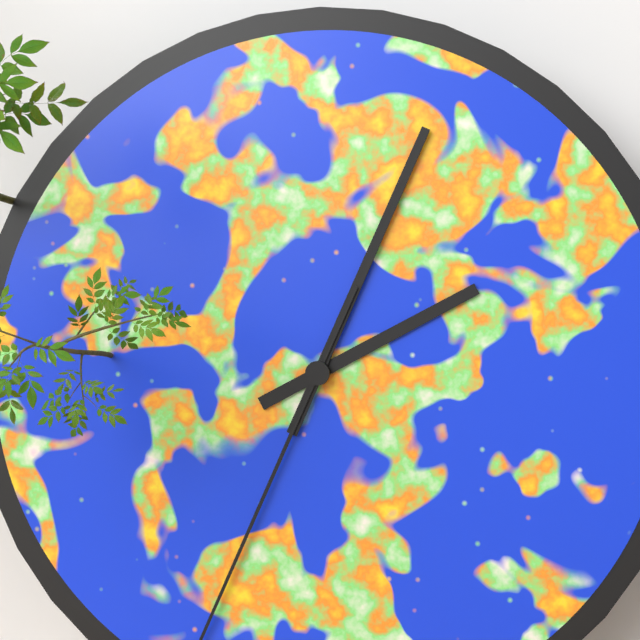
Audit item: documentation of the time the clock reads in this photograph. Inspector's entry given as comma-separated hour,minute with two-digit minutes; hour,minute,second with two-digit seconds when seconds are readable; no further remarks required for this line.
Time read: 2,04
